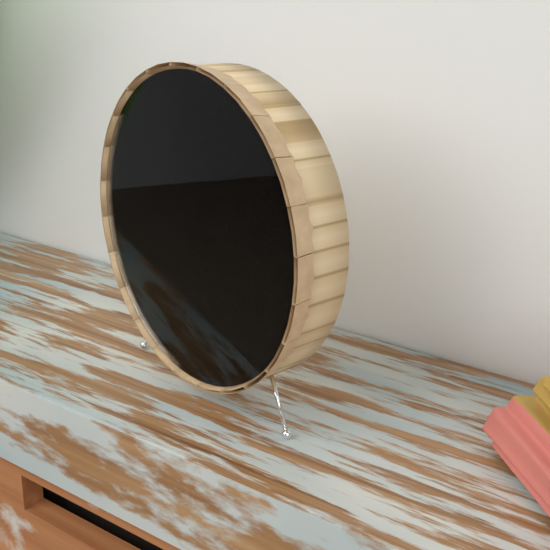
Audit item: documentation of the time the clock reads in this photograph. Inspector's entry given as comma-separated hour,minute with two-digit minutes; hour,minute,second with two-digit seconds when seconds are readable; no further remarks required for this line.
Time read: 1,21
